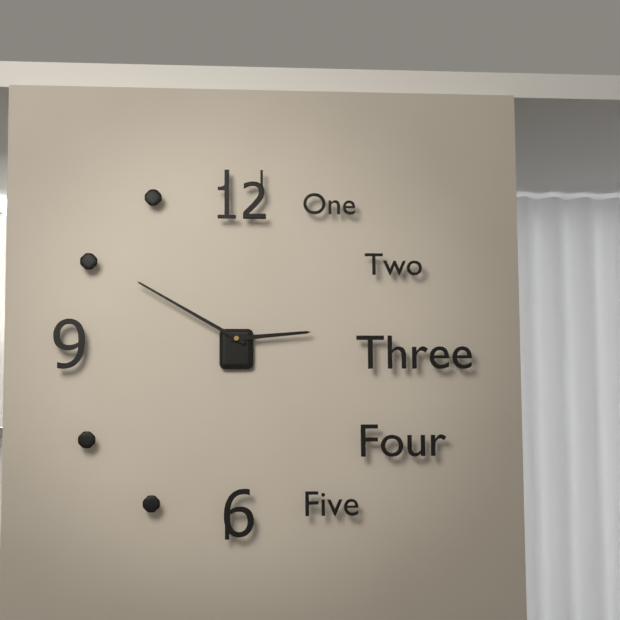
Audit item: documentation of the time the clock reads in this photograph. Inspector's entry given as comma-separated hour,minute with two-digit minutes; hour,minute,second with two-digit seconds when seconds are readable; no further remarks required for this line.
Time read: 2,50
